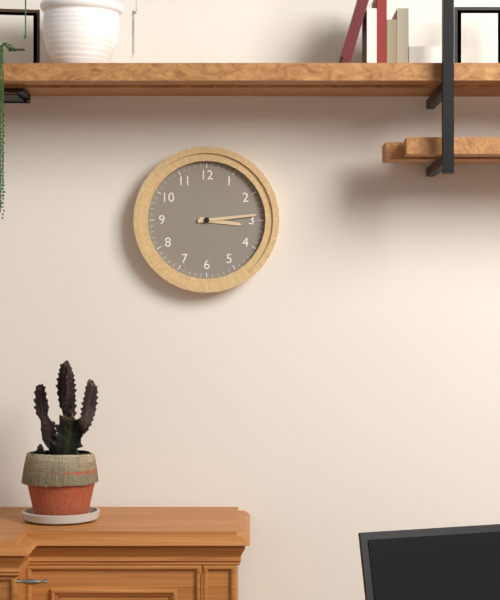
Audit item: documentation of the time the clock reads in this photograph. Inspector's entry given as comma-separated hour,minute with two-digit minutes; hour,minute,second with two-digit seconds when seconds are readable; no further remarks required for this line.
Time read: 3,14
